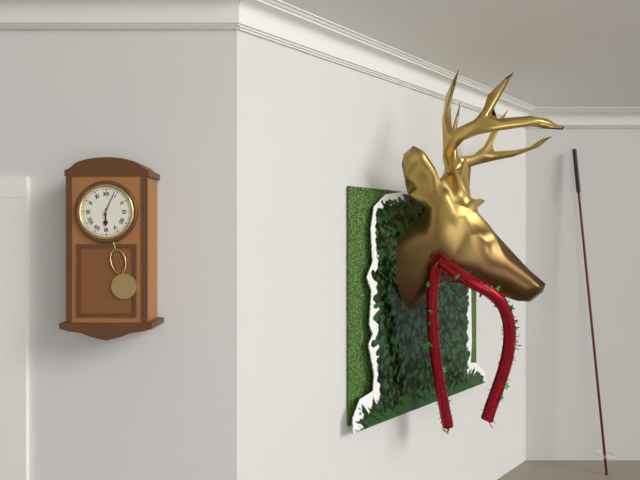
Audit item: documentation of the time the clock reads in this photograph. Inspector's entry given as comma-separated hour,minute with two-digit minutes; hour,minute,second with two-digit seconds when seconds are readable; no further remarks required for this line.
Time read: 6,04
